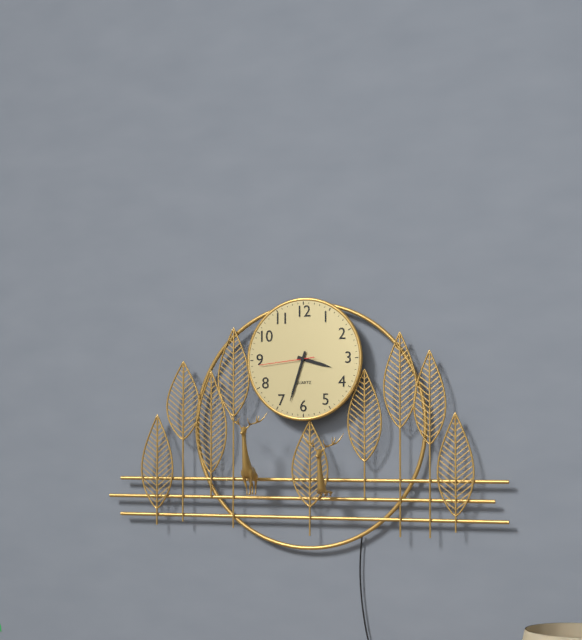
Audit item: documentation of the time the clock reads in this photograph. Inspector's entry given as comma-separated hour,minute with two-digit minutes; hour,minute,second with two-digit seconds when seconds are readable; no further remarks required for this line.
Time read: 3,33,44
